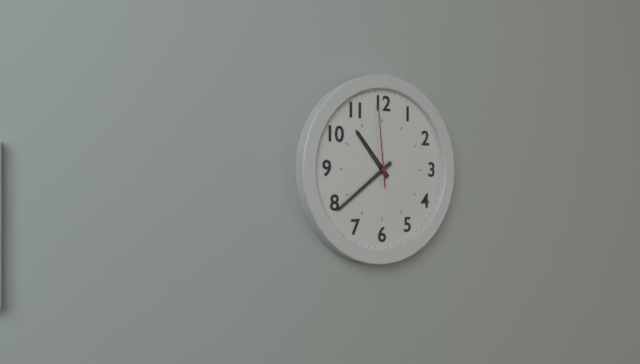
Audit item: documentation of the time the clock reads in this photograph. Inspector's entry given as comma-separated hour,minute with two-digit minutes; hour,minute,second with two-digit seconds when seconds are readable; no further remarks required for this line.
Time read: 10,39,59
